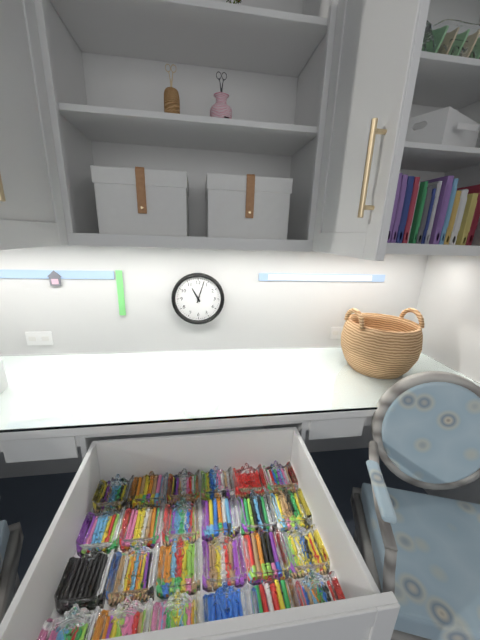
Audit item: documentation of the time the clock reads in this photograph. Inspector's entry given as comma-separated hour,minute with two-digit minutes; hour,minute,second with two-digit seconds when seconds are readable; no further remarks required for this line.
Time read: 11,03
